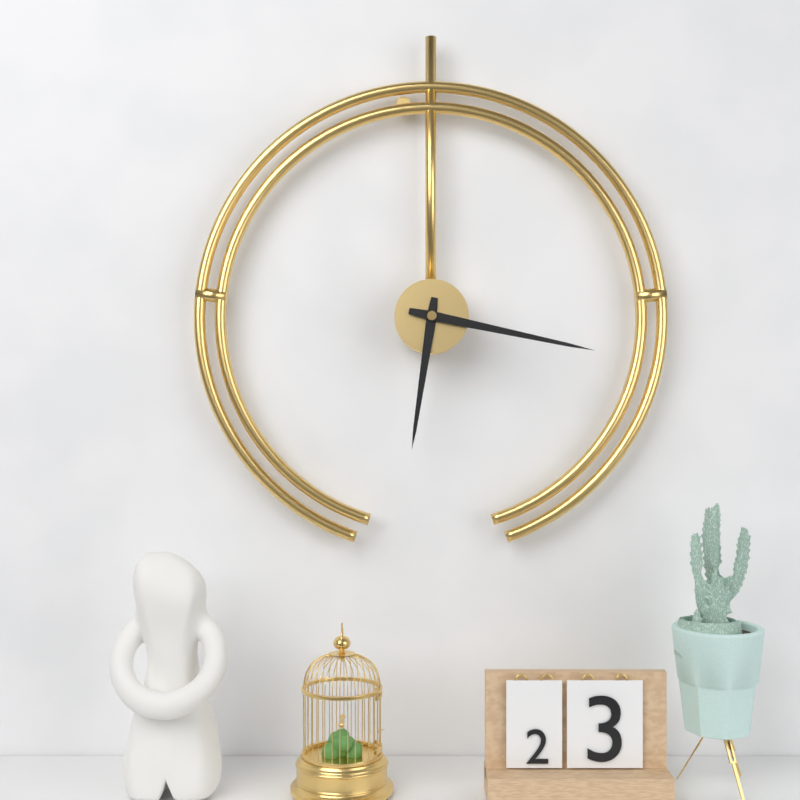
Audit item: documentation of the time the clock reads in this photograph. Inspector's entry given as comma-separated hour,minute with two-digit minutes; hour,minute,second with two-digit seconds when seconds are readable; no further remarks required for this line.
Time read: 6,17
